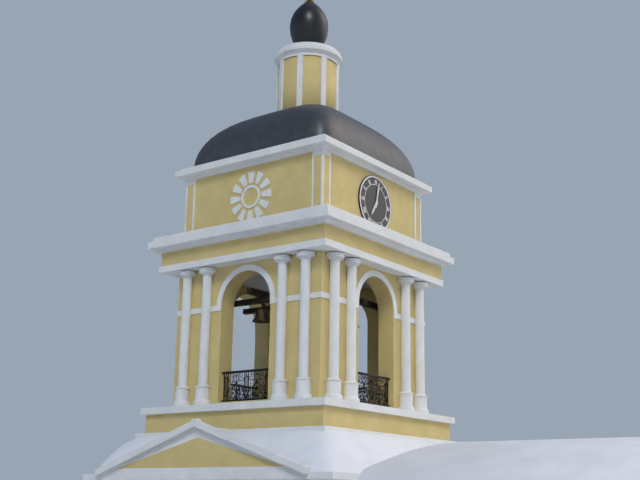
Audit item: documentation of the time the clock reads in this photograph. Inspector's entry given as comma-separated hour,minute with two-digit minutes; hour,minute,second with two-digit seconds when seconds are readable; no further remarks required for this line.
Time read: 7,02
